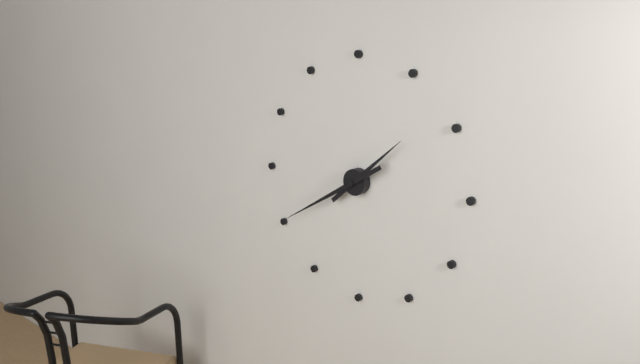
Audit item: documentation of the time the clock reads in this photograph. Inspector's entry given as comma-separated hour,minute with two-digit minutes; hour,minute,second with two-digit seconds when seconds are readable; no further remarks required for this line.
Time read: 1,40
